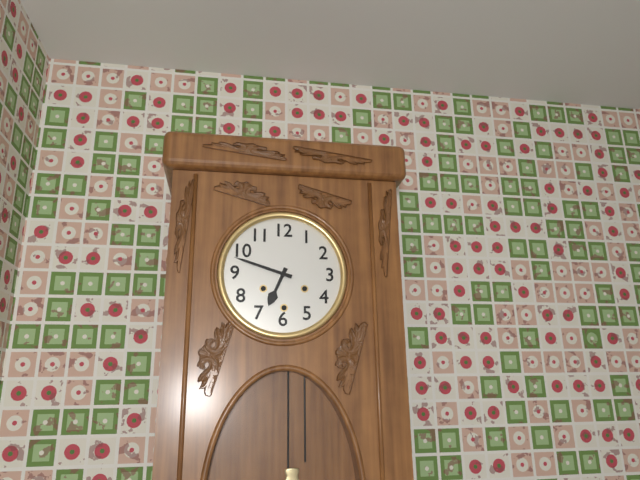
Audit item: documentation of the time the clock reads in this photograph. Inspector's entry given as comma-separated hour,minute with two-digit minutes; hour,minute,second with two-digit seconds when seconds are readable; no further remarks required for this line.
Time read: 6,48
